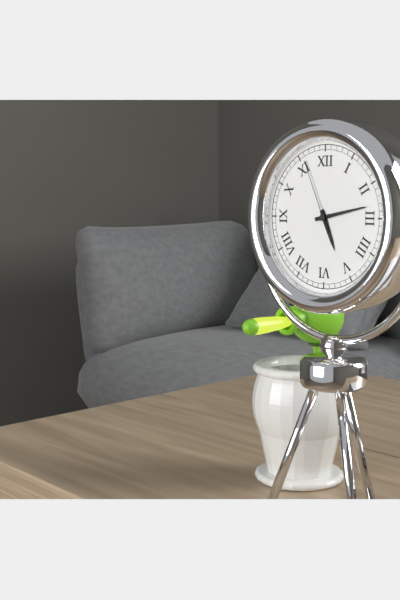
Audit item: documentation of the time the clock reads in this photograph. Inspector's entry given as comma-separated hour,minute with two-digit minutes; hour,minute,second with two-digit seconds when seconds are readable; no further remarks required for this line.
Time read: 5,13,56
